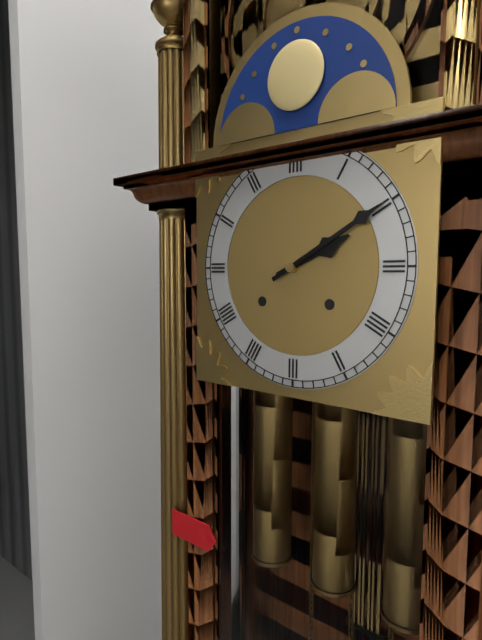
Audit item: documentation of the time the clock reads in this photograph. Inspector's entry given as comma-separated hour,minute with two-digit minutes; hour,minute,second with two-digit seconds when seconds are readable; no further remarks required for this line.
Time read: 2,10
